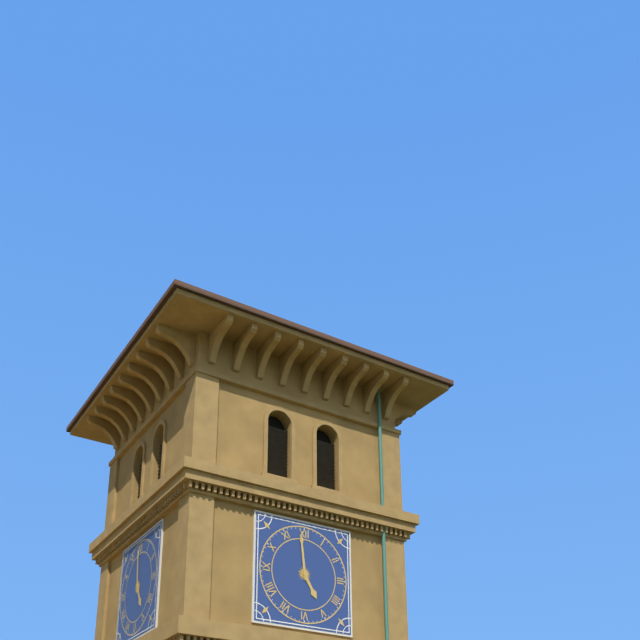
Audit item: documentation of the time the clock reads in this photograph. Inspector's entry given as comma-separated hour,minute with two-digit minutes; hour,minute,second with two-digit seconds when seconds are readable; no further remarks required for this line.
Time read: 4,59
